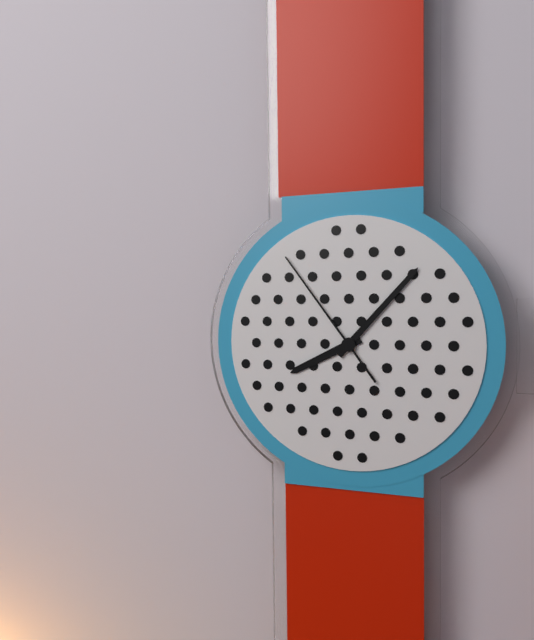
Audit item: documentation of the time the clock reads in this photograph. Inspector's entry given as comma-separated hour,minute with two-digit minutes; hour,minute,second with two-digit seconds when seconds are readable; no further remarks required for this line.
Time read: 8,07,54
